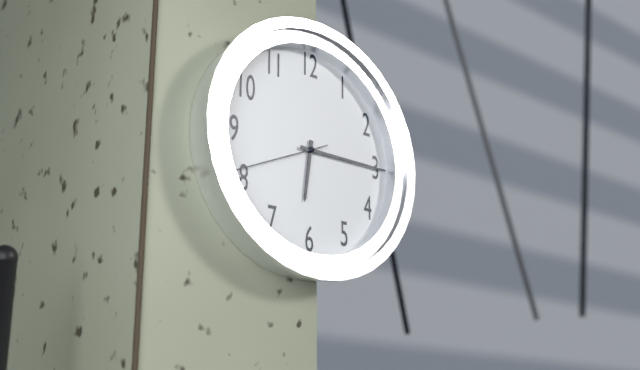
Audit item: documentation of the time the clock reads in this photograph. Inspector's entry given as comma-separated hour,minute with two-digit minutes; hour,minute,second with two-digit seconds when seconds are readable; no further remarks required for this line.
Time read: 6,15,41
